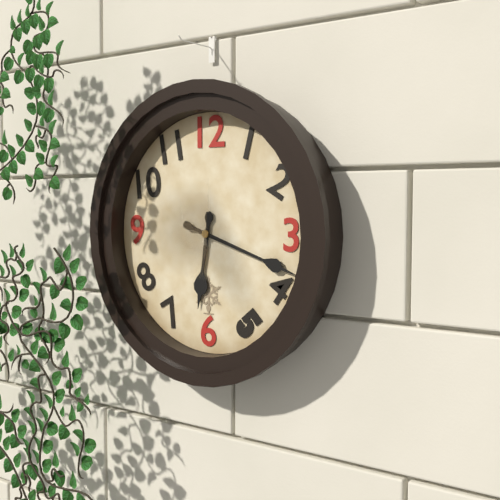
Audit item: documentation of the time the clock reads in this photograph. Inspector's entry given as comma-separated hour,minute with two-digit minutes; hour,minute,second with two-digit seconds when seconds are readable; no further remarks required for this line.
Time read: 6,18
